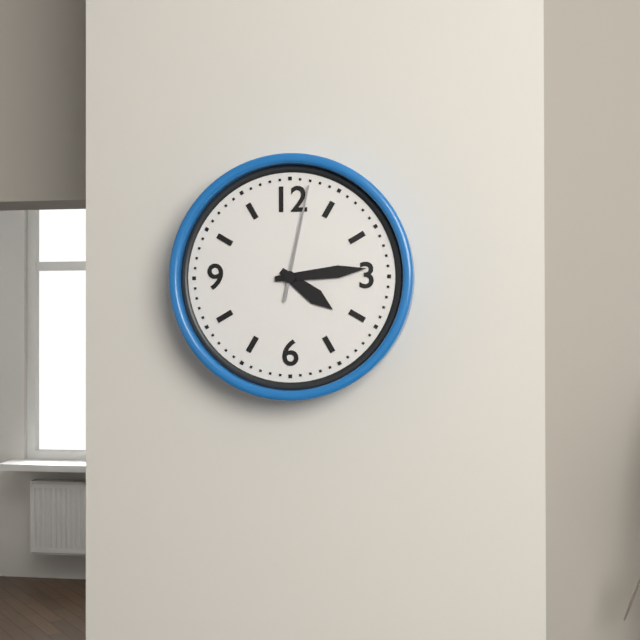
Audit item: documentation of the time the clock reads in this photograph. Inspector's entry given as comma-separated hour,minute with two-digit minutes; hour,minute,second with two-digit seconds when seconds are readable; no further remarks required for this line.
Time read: 4,14,02
